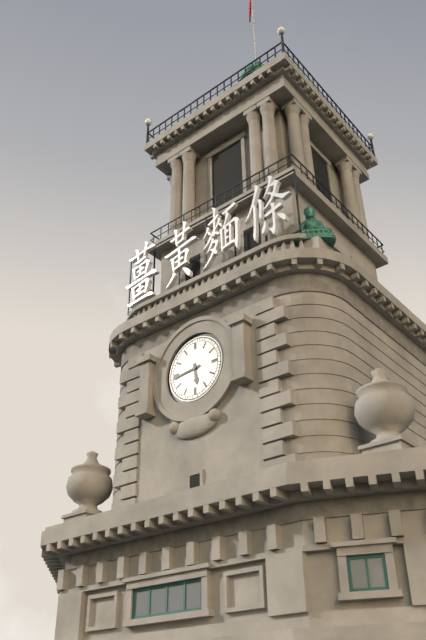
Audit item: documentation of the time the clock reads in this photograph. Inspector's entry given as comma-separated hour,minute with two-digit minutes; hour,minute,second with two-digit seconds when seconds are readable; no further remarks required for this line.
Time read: 5,44
